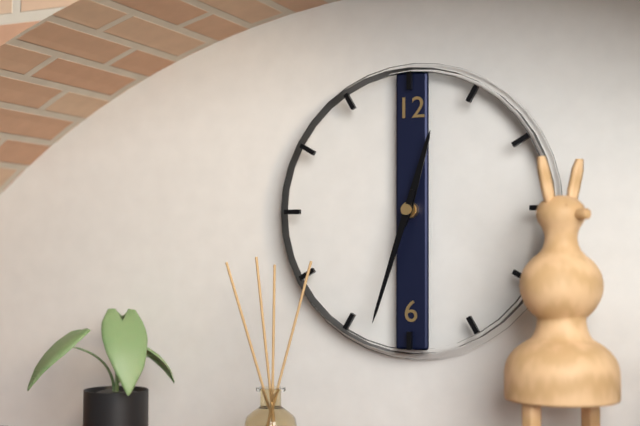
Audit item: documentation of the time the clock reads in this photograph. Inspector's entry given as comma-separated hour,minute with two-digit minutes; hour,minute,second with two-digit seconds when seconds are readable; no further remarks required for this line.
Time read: 12,33
